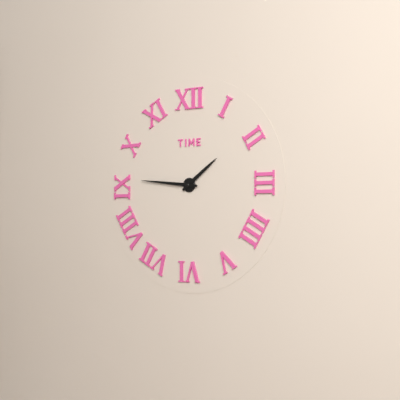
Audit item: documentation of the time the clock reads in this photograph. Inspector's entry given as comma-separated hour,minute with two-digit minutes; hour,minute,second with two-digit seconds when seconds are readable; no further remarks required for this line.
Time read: 1,46
